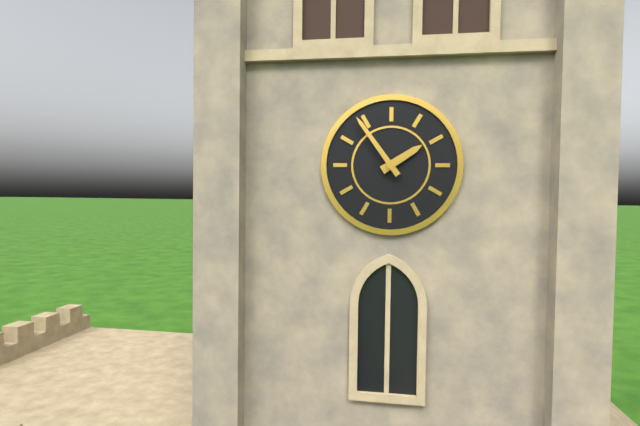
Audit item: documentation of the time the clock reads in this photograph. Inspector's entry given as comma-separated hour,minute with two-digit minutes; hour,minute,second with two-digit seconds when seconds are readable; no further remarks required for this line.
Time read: 1,54
